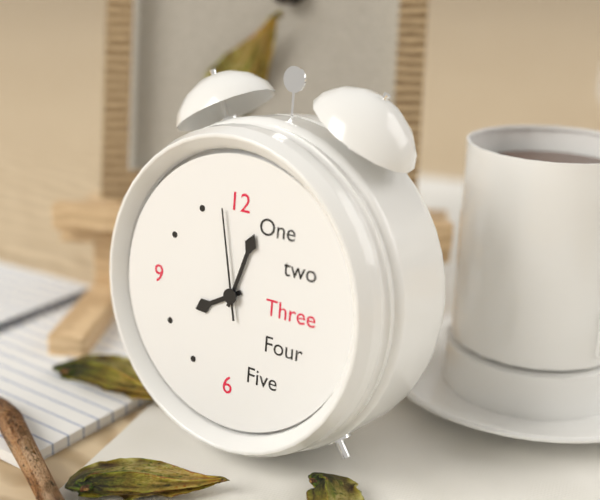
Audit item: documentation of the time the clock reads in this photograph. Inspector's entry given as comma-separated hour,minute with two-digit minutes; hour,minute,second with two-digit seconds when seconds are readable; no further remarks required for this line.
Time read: 8,03,58
